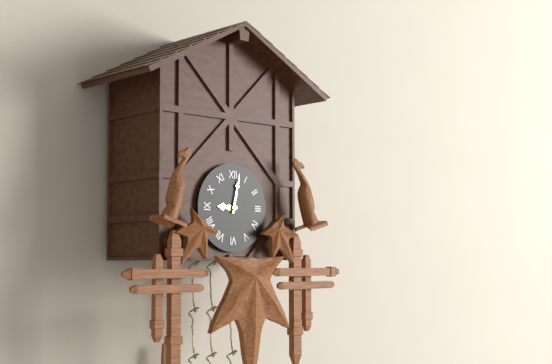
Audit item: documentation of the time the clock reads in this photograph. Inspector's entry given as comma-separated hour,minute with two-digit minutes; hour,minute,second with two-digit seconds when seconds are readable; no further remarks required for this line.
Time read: 9,02
